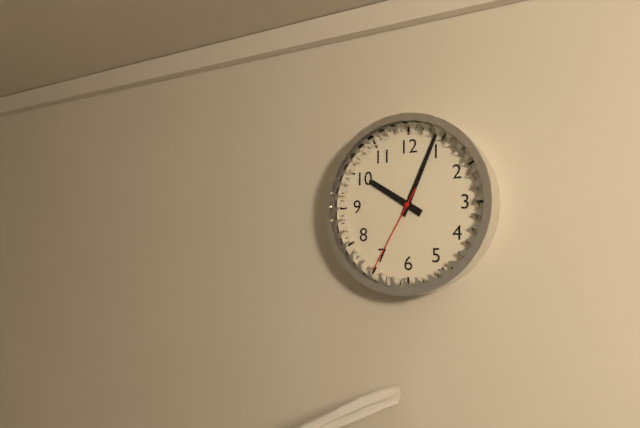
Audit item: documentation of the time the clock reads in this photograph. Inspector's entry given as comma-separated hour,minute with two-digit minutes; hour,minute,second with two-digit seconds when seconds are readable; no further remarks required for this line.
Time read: 10,04,35
